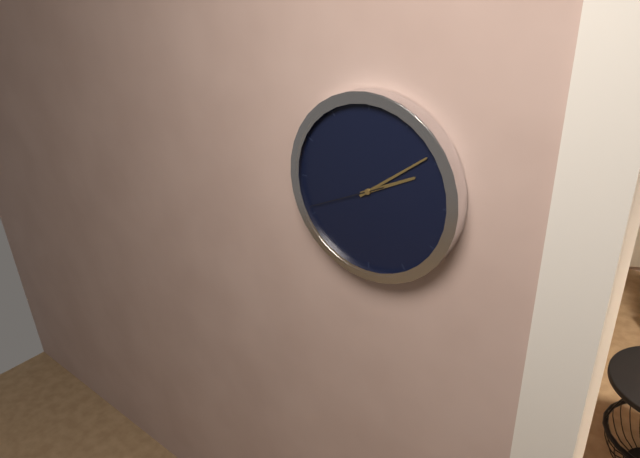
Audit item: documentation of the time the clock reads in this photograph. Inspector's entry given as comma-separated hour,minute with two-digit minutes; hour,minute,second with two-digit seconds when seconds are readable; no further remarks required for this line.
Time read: 2,09,41
